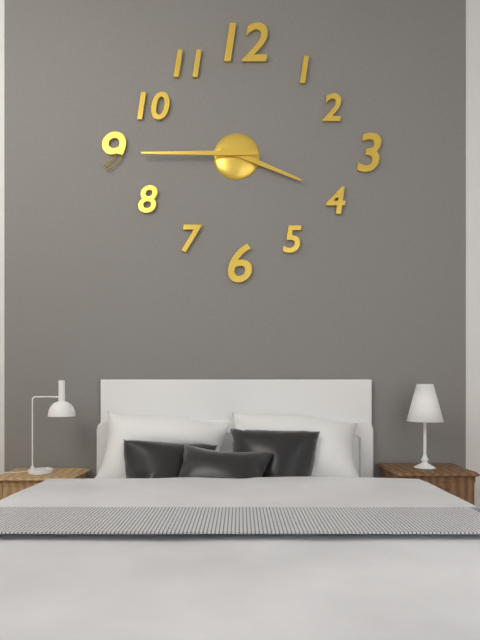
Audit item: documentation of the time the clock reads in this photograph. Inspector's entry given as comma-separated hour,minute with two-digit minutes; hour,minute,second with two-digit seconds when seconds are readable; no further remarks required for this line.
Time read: 3,45
